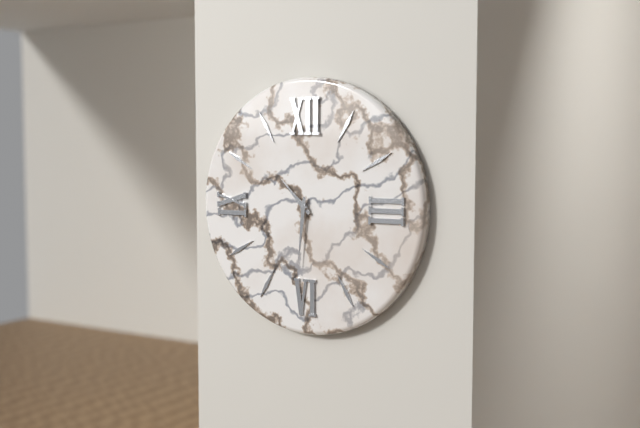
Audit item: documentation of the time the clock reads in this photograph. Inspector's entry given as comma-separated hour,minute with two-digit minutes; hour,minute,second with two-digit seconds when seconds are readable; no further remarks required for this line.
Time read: 10,31
